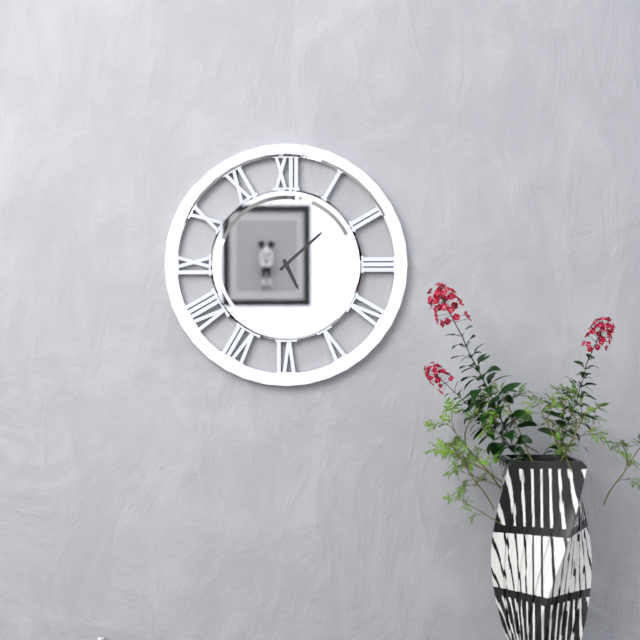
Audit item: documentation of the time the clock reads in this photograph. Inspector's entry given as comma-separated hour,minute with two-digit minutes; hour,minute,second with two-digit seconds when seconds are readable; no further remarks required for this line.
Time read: 5,08
